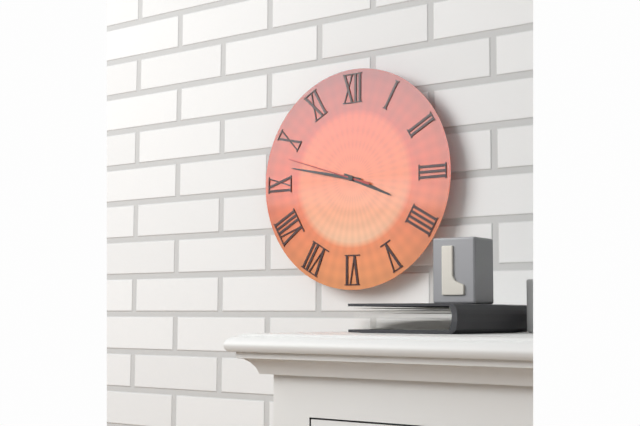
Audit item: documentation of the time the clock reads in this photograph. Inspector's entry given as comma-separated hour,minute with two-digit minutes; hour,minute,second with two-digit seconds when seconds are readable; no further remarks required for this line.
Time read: 3,47,48
